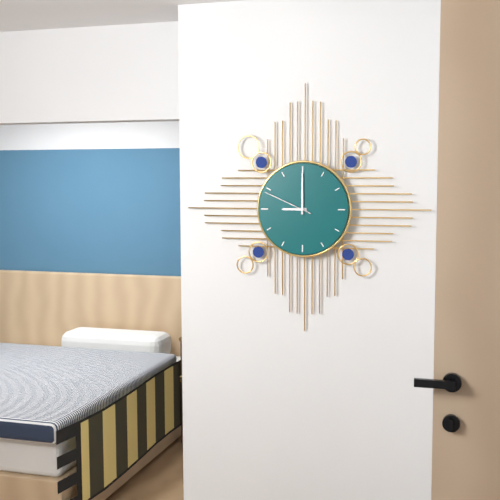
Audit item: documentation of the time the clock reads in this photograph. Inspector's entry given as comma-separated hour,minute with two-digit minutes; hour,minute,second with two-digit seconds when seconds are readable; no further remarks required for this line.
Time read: 9,00,49
